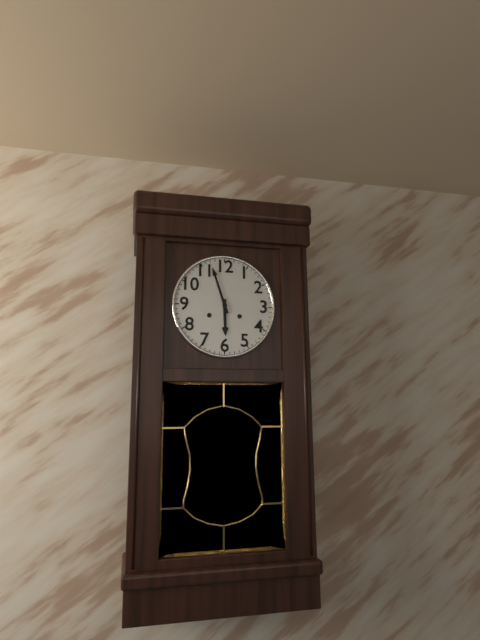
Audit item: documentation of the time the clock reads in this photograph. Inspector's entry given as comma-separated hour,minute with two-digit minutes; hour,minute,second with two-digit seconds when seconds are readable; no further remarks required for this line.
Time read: 5,57
